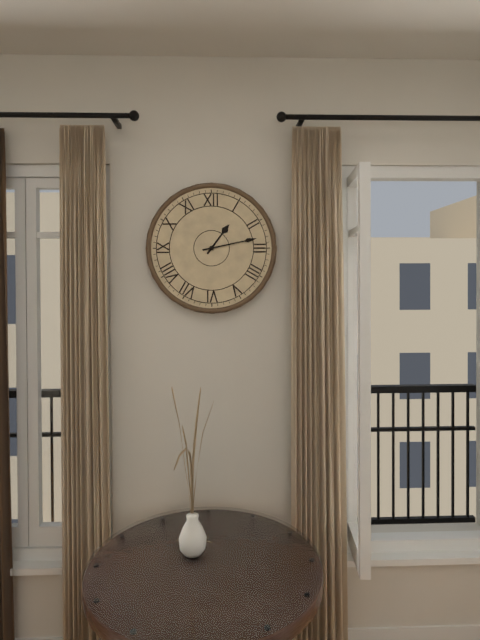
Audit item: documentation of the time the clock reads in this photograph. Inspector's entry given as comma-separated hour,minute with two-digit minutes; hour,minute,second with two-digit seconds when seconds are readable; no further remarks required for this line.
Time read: 1,13
